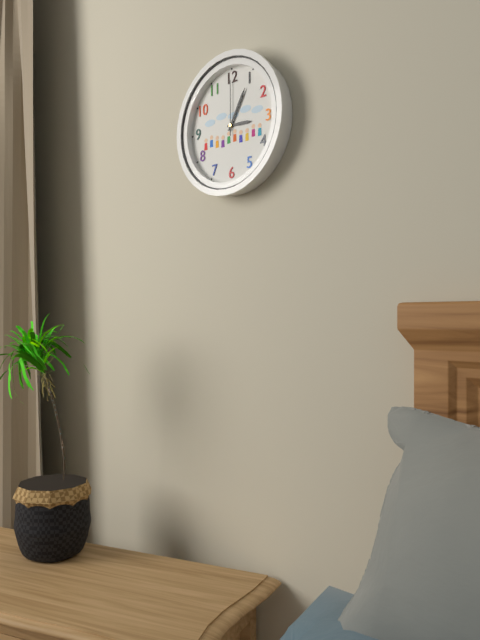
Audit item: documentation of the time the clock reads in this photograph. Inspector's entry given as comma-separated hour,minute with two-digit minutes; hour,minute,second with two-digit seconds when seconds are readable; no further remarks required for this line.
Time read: 3,05,00
